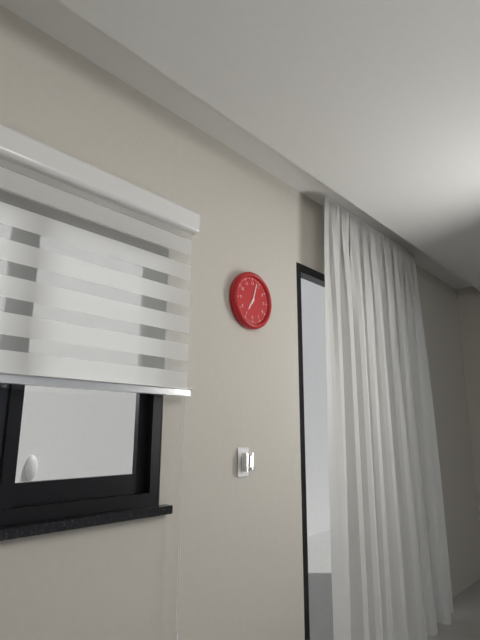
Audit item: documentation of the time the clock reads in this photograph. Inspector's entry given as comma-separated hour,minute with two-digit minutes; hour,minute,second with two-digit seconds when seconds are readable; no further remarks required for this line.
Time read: 7,03
